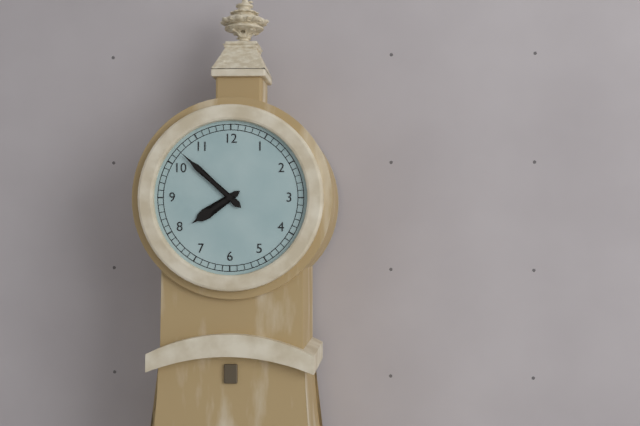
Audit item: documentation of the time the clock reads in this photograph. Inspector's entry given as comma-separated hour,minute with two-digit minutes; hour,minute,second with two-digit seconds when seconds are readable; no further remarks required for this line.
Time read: 7,52
